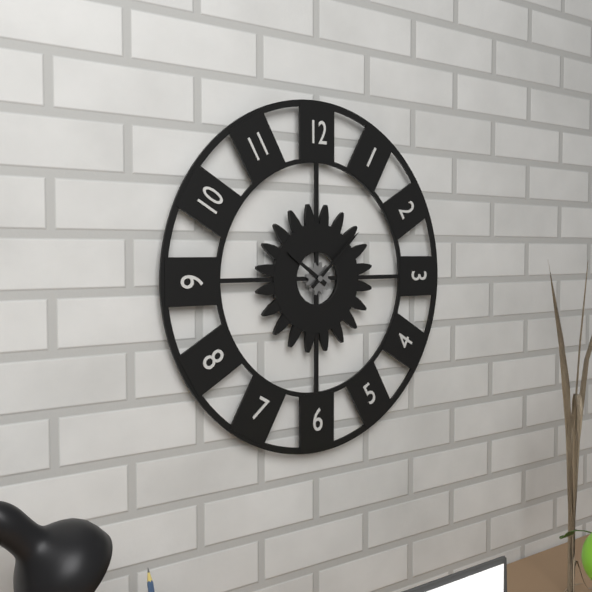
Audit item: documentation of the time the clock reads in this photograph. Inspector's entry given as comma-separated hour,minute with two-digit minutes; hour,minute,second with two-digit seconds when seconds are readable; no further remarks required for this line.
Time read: 10,08
